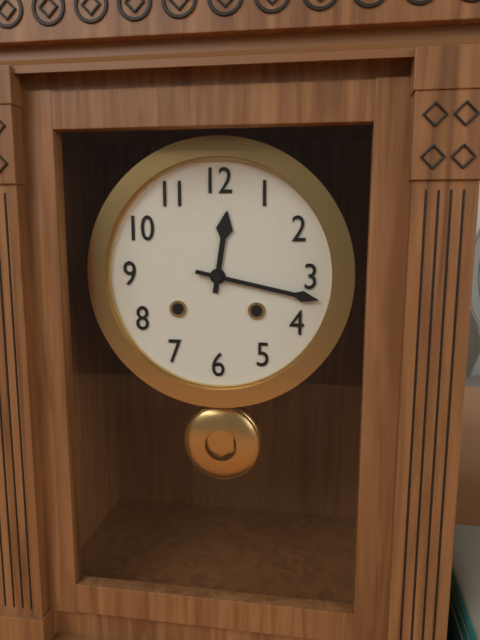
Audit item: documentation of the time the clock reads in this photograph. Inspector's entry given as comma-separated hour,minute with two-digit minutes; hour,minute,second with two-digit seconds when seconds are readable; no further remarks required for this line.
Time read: 12,17
